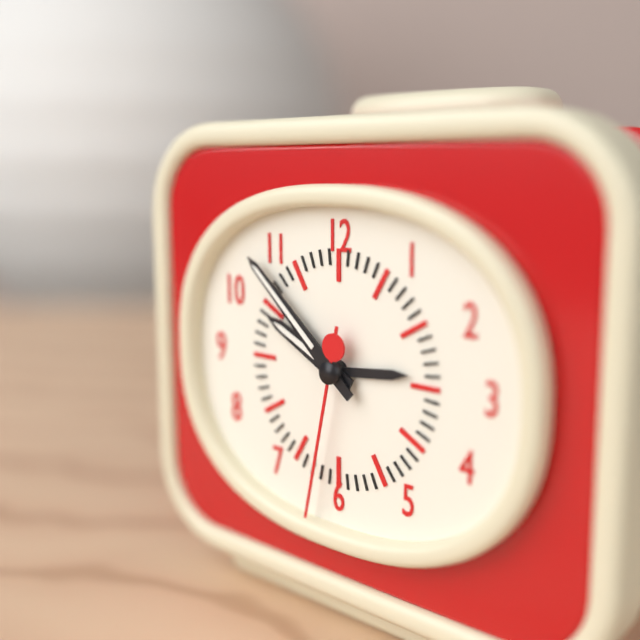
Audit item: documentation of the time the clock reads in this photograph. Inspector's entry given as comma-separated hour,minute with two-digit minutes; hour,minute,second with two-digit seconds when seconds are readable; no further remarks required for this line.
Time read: 9,52,32
